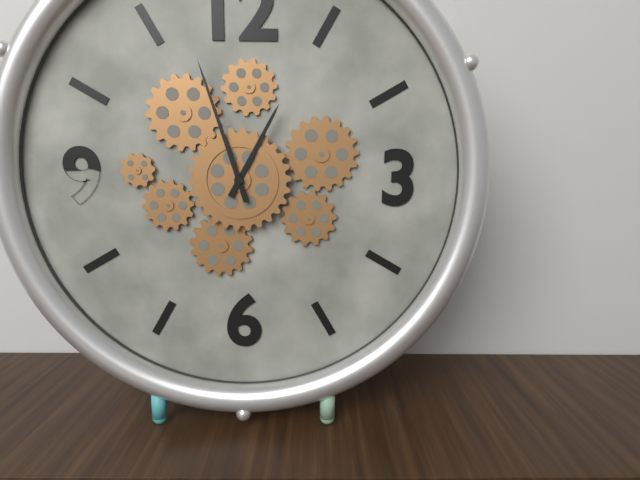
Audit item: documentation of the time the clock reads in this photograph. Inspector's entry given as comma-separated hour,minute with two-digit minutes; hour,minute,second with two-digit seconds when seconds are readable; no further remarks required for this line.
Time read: 12,57
